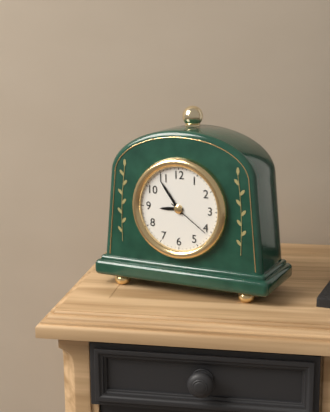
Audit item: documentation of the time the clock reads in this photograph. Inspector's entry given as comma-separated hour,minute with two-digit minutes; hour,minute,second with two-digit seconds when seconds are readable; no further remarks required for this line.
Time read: 8,54
